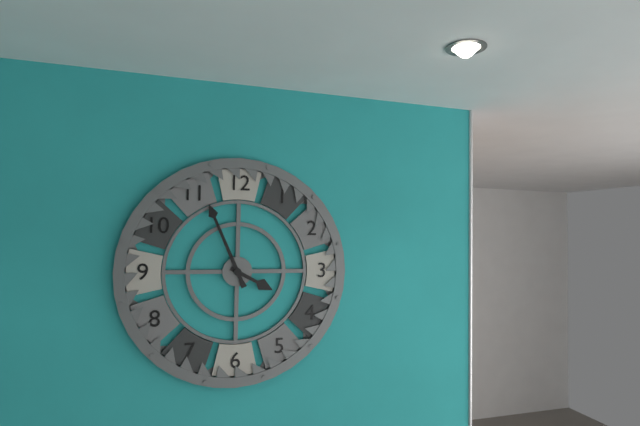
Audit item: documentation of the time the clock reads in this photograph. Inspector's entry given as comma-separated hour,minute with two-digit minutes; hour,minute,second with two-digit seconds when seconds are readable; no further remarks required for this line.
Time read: 3,56
